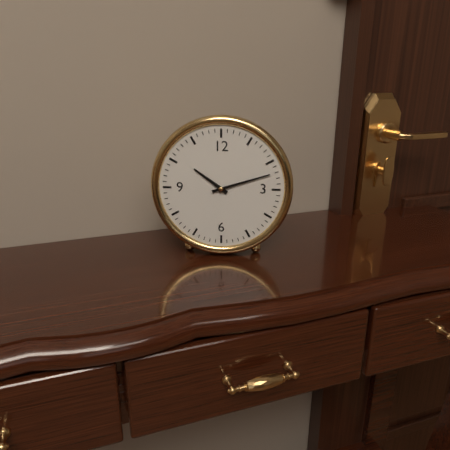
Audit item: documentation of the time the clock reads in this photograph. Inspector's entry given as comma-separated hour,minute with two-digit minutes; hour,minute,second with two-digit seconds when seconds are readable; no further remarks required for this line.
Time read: 10,12
